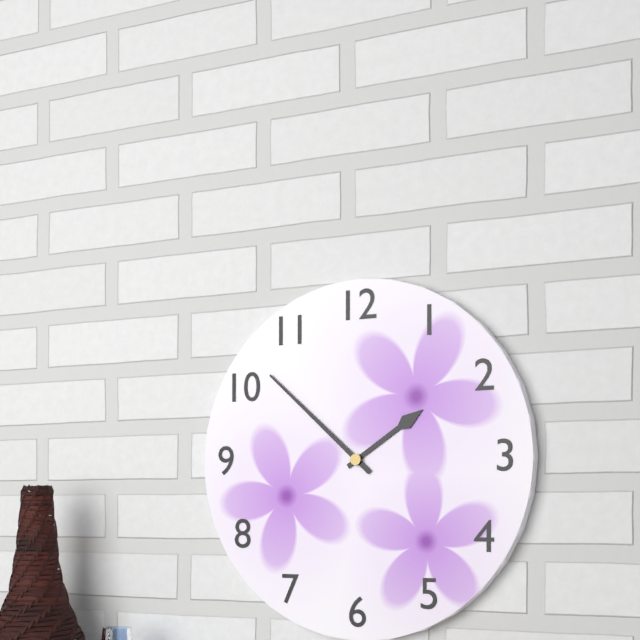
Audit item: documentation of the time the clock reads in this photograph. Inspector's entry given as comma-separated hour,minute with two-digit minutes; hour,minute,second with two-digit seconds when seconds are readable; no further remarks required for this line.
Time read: 1,52
